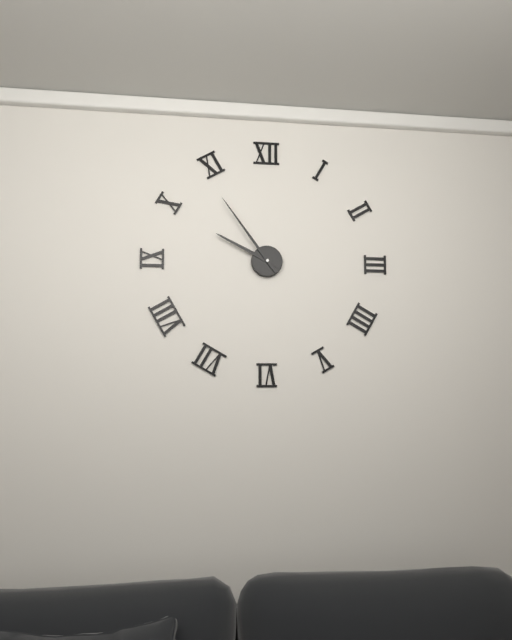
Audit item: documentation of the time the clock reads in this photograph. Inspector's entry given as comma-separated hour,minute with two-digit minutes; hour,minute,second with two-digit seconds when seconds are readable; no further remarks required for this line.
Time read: 9,54
